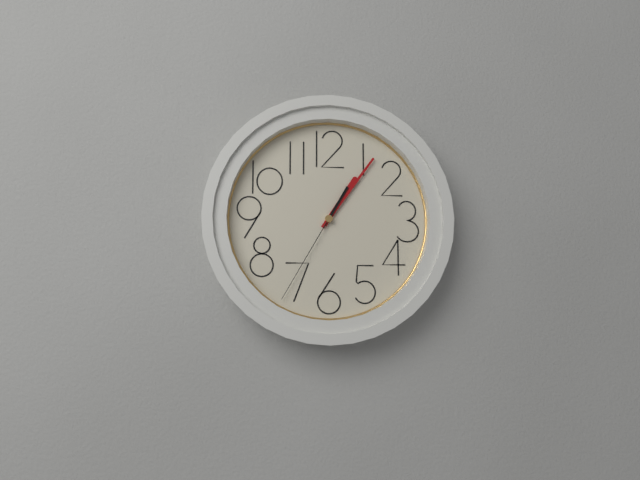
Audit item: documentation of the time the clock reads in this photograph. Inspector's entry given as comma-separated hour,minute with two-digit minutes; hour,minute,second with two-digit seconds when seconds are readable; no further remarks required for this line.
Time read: 1,06,35
